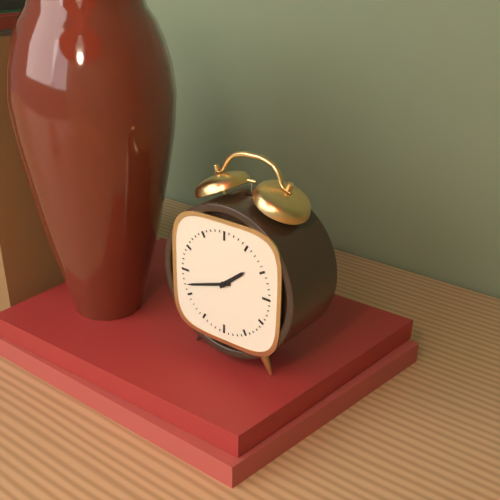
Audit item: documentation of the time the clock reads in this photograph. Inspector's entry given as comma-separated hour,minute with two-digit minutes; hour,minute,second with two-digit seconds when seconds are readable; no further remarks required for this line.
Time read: 1,42
